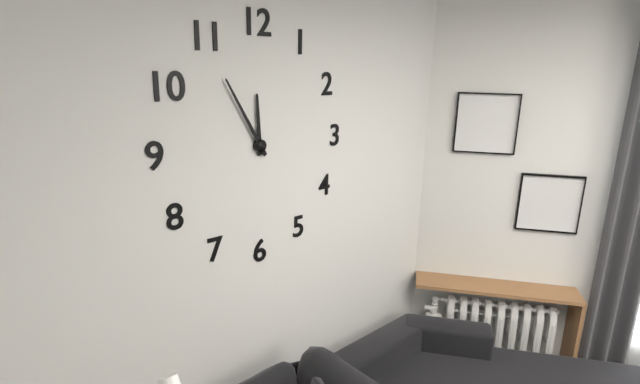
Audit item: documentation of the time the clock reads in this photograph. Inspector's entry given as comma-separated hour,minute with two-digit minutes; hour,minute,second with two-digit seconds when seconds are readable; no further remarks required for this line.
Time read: 11,55
